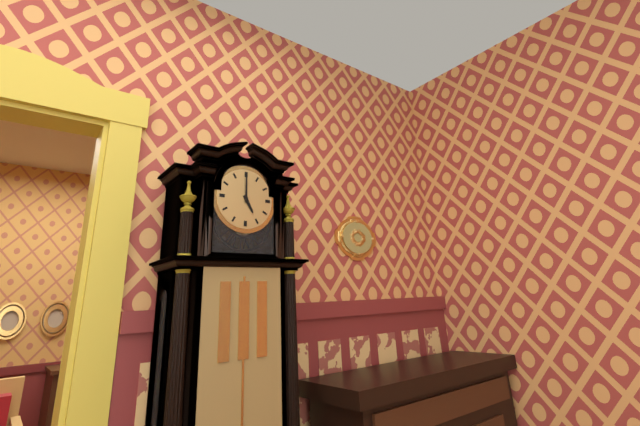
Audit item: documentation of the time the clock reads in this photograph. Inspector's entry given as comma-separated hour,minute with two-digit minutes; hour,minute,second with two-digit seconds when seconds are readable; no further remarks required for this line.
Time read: 5,00
